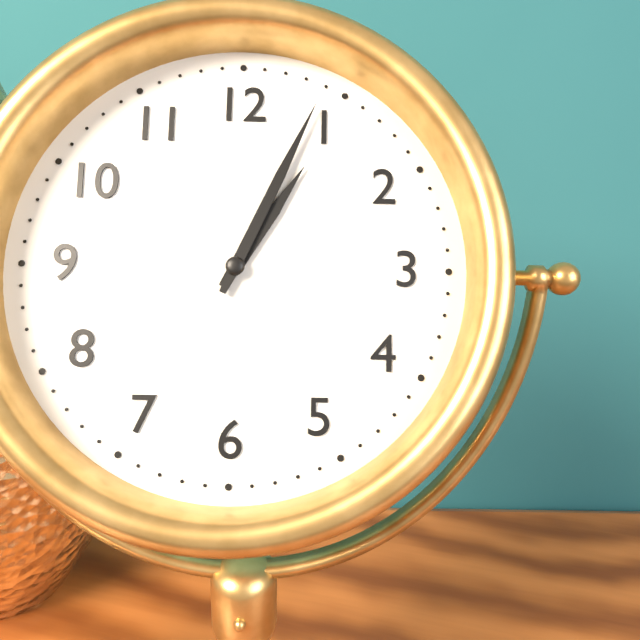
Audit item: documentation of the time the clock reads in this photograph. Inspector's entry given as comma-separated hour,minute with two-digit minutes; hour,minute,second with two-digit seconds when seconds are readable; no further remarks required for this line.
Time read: 1,04
